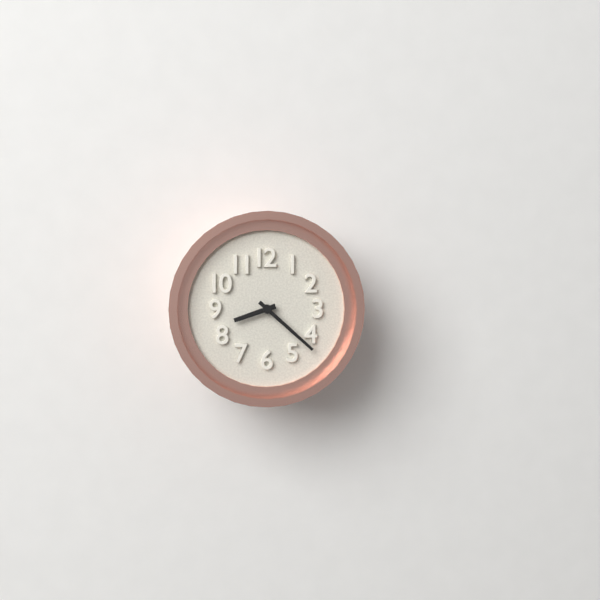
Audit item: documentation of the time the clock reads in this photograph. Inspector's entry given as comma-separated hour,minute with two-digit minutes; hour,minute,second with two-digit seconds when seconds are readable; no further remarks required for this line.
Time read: 8,22
